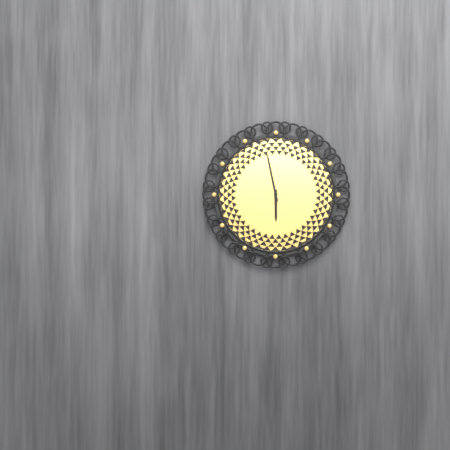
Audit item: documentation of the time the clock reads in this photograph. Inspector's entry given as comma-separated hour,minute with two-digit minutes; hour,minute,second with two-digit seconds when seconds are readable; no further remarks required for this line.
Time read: 5,58
